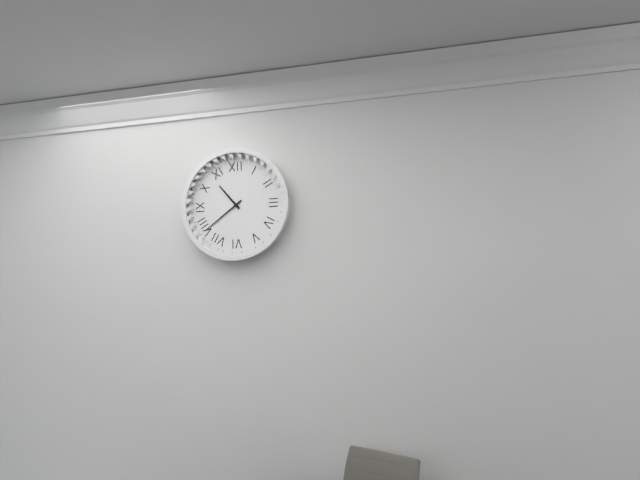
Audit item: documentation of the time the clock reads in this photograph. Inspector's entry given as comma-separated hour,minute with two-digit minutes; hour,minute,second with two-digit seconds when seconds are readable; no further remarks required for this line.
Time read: 10,39
